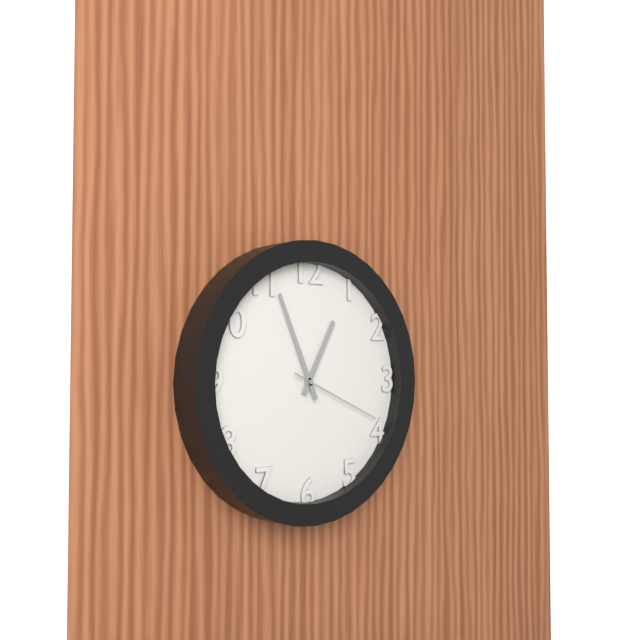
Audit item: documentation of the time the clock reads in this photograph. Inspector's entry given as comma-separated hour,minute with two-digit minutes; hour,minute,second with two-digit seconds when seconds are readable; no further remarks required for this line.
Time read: 12,56,19
